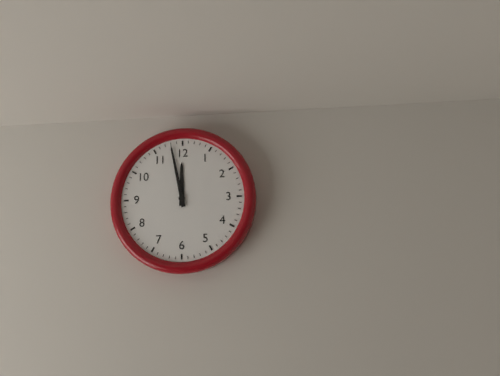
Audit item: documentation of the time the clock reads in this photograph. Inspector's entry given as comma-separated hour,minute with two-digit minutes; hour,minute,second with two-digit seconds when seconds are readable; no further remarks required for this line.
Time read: 11,58
